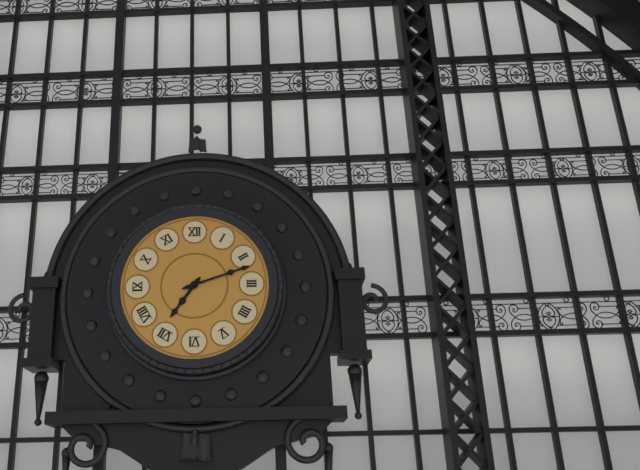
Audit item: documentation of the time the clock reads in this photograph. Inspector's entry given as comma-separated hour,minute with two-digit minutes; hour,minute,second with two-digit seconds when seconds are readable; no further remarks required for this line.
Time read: 7,12
